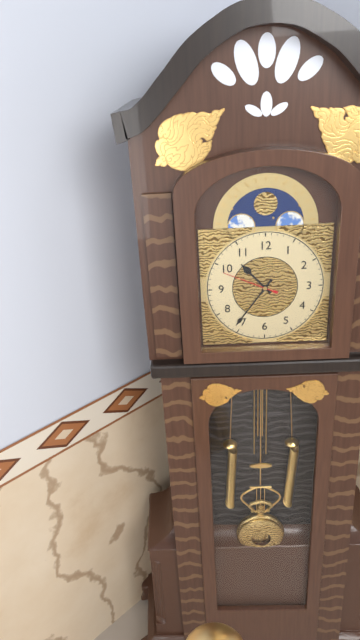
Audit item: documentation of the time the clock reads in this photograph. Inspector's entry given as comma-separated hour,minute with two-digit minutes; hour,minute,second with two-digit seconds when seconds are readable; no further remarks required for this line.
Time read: 10,36,49
